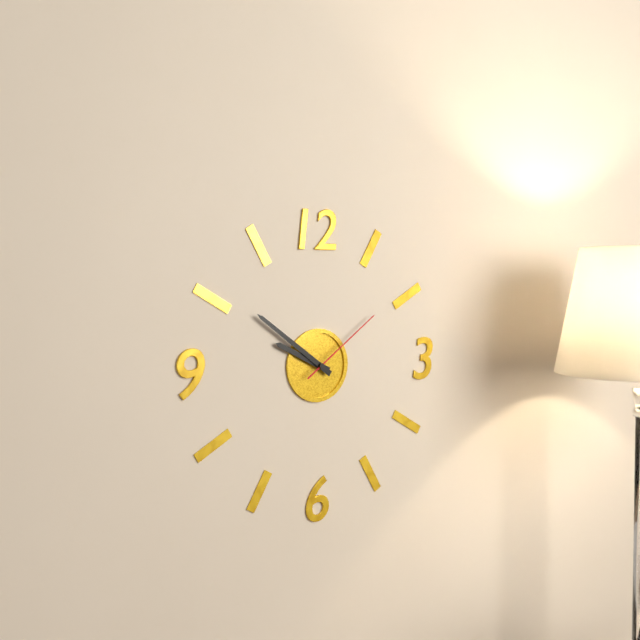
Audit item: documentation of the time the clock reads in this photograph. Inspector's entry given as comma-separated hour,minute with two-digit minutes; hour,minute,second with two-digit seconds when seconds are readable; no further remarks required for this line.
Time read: 9,51,09
